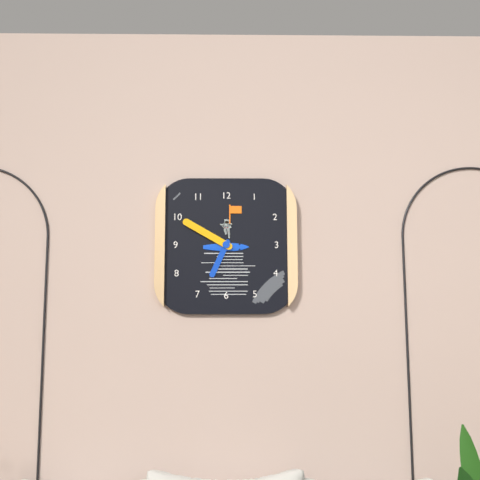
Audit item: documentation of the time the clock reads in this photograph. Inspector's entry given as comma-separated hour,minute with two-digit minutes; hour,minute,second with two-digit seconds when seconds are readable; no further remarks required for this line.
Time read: 6,50
